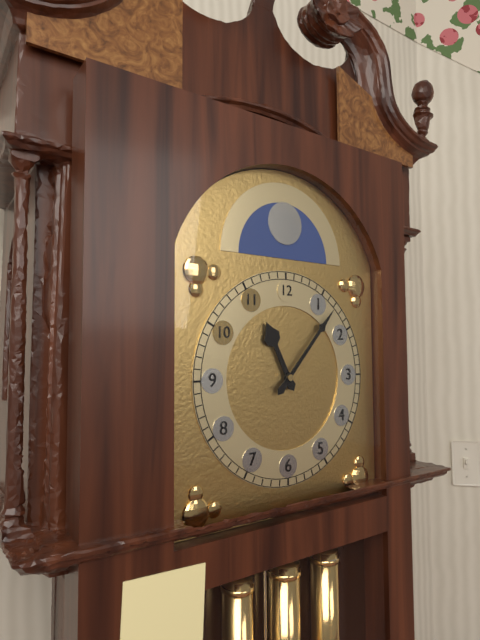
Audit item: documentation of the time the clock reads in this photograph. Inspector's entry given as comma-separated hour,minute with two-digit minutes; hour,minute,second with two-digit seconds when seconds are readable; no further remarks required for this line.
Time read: 11,07
